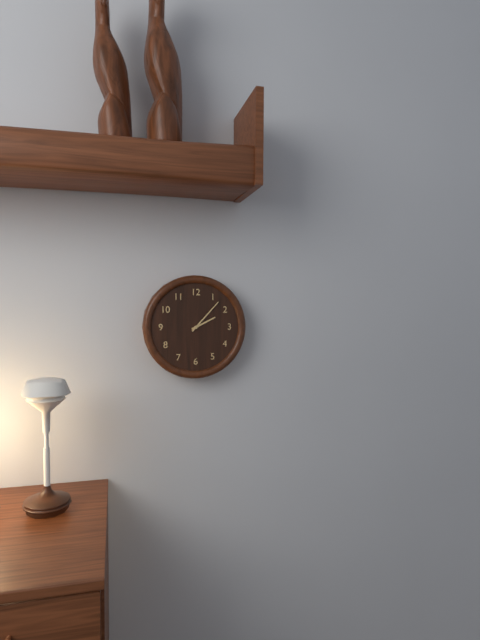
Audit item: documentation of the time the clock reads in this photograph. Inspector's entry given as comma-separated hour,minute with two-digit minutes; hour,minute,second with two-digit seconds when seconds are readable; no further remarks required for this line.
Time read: 2,07
